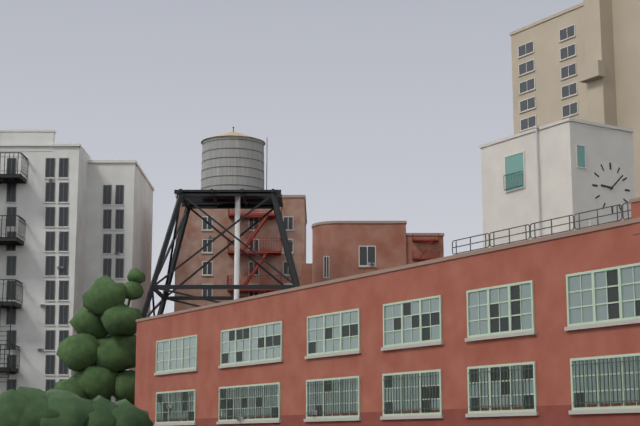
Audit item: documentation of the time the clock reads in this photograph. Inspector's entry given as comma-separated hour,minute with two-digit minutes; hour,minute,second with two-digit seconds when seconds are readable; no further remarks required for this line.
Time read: 9,08
